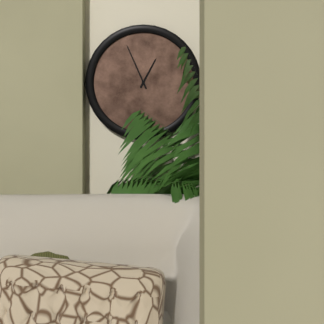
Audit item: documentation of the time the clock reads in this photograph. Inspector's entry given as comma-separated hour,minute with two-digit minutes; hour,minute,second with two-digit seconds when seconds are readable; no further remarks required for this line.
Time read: 12,56
